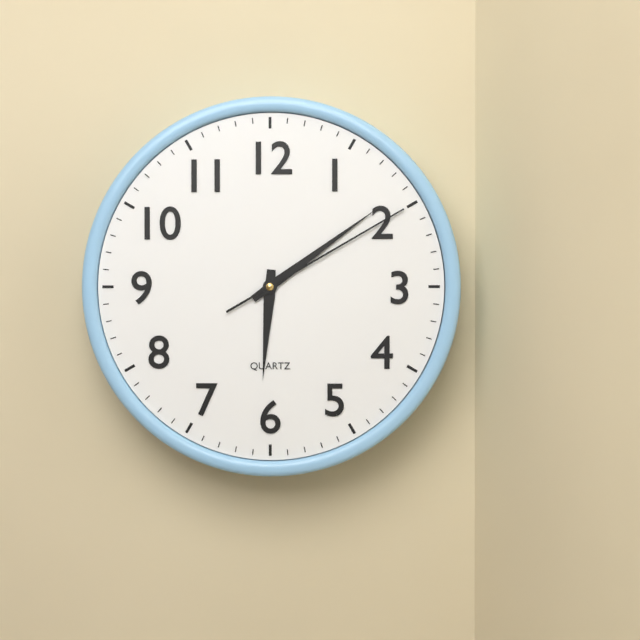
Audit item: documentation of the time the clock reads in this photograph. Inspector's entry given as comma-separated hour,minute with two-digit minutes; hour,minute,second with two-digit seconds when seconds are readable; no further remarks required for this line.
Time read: 6,09,10
